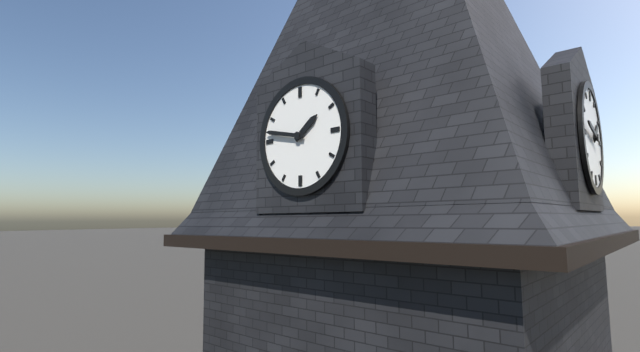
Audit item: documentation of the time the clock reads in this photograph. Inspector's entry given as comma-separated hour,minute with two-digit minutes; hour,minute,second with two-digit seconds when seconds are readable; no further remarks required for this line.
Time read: 1,47
